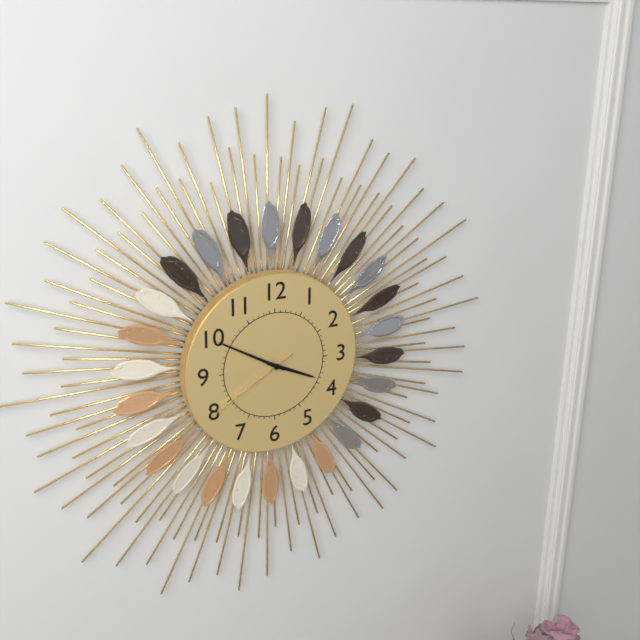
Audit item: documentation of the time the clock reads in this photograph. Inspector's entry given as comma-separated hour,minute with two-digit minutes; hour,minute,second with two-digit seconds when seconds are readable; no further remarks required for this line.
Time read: 3,50,40
